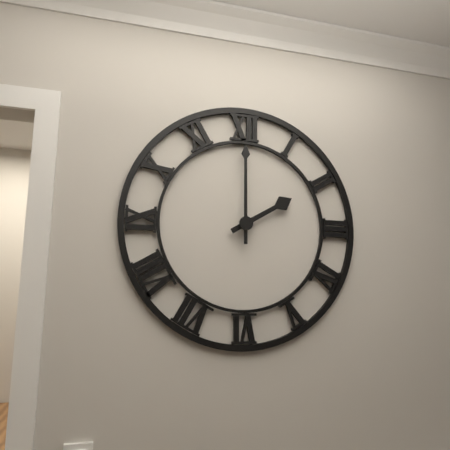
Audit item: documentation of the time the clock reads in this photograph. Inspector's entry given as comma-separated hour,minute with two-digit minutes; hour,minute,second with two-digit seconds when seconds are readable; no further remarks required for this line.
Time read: 2,00
